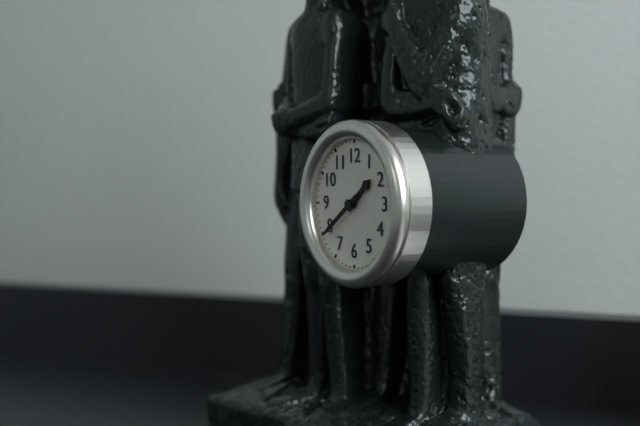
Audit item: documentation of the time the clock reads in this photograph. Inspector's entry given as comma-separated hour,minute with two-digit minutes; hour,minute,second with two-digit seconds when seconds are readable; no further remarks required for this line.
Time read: 1,39
